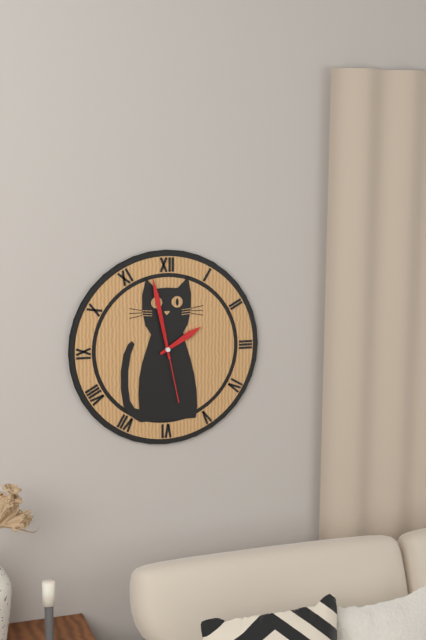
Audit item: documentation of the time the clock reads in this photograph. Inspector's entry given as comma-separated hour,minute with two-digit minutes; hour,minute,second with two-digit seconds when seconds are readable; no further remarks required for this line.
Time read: 1,58,28
